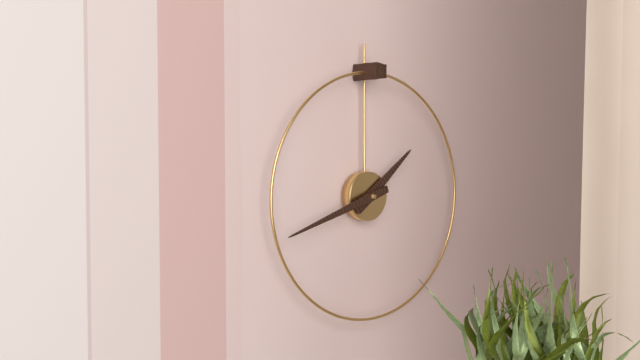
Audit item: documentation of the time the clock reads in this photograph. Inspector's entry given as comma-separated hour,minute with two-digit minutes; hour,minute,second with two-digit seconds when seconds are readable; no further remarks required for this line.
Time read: 1,42
